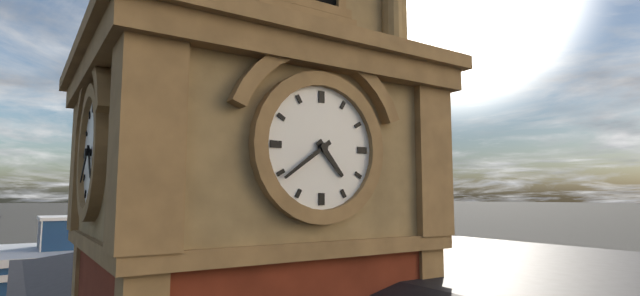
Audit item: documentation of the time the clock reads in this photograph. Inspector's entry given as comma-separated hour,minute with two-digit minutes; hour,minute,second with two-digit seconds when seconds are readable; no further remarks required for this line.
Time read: 4,39
